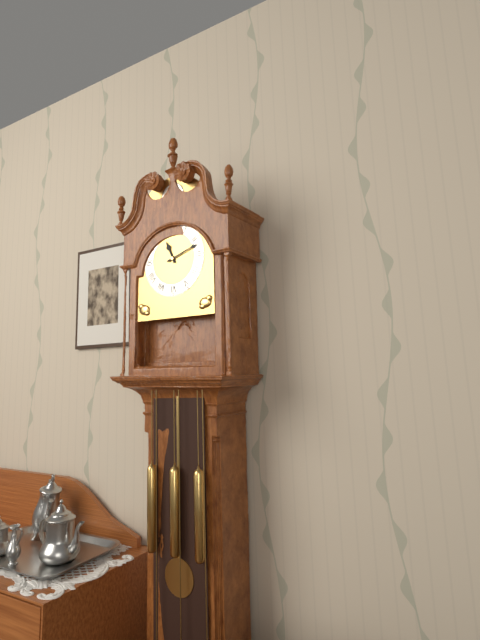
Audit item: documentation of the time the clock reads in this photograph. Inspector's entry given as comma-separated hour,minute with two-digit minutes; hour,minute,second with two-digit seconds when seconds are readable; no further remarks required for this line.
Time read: 11,12
